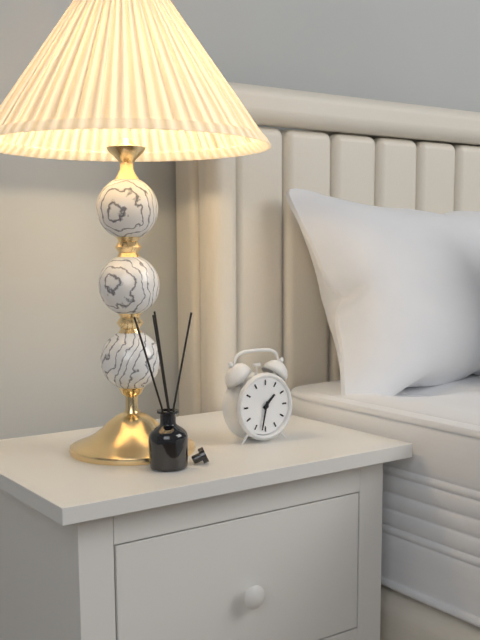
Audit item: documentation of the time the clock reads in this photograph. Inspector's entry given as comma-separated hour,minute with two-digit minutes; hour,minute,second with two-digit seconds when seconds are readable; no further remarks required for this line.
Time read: 1,32
